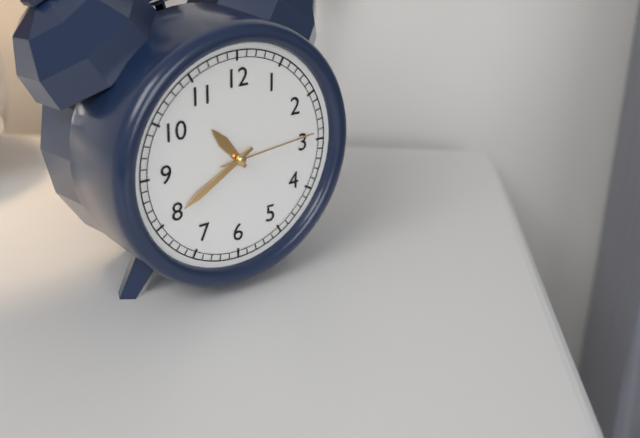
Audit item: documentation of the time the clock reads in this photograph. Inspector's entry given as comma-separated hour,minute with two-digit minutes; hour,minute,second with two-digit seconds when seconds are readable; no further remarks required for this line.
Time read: 10,40,14
